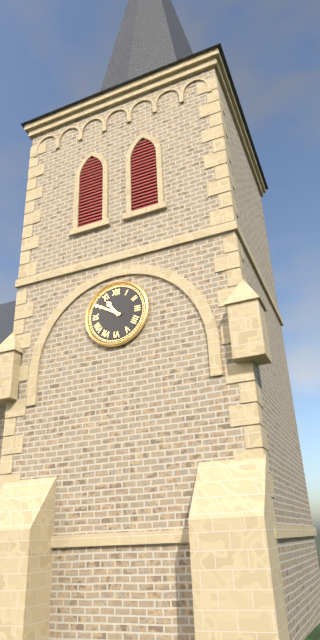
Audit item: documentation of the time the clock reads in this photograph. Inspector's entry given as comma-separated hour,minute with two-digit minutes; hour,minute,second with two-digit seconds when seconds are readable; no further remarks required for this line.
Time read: 10,50
